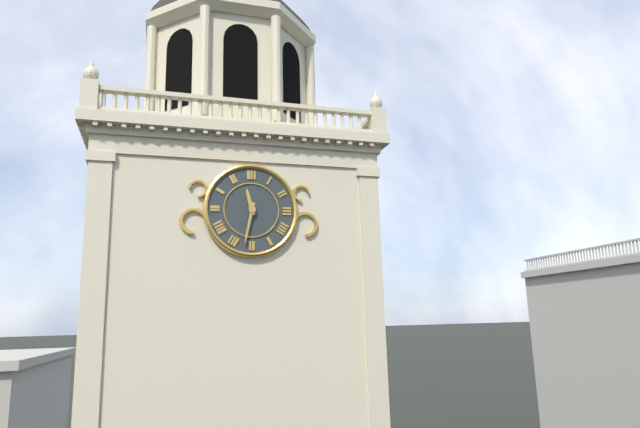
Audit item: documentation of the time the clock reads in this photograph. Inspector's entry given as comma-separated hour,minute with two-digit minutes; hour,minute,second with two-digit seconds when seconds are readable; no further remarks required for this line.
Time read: 11,32
